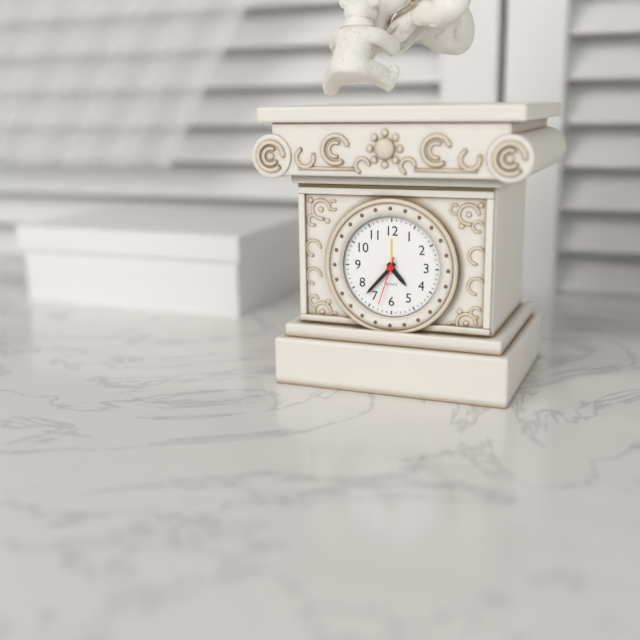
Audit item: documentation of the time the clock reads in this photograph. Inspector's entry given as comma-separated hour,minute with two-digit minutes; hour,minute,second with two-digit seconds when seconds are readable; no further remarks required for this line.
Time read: 4,37
